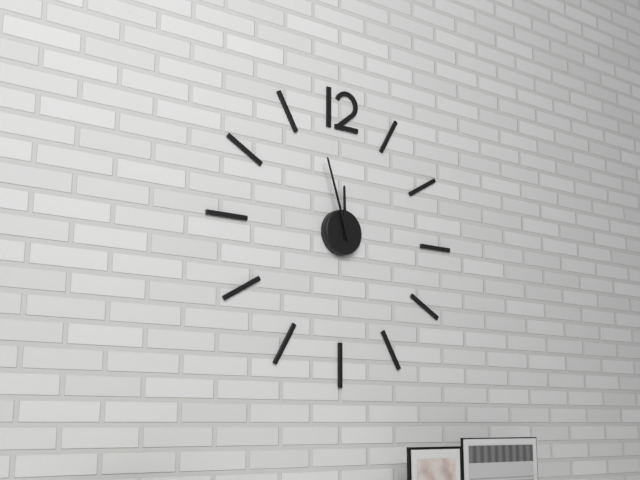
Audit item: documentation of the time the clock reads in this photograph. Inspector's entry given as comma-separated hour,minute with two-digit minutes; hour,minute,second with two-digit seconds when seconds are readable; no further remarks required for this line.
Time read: 11,57
